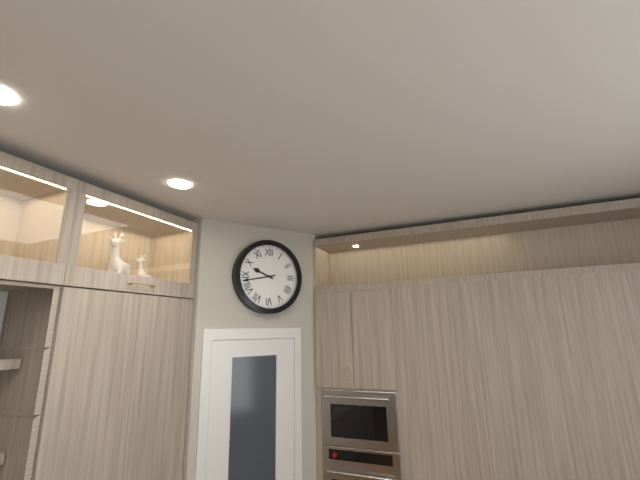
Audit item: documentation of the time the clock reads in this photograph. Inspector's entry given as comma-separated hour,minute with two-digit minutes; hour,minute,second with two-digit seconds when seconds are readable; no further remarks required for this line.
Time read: 9,43
